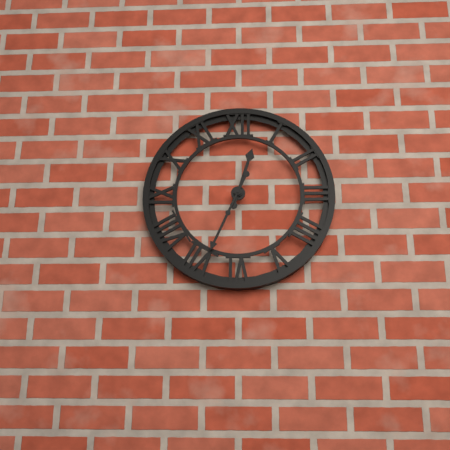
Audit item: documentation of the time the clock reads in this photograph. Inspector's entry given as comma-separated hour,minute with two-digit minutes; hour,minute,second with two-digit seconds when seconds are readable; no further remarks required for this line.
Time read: 12,34
